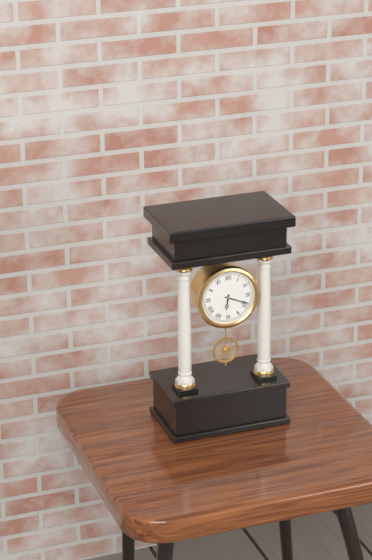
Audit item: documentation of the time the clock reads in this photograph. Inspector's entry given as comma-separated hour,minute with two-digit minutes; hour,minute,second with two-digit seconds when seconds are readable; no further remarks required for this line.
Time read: 6,19
